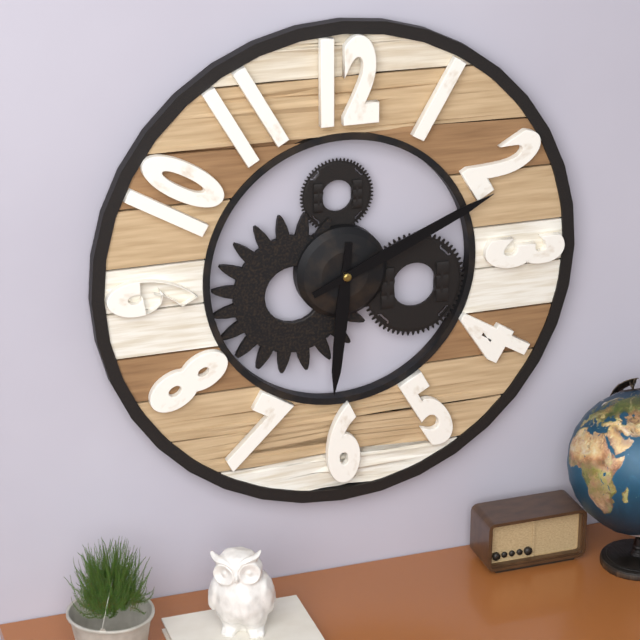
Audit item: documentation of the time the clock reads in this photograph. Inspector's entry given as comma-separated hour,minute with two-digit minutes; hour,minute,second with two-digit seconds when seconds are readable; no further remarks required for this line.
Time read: 6,11
